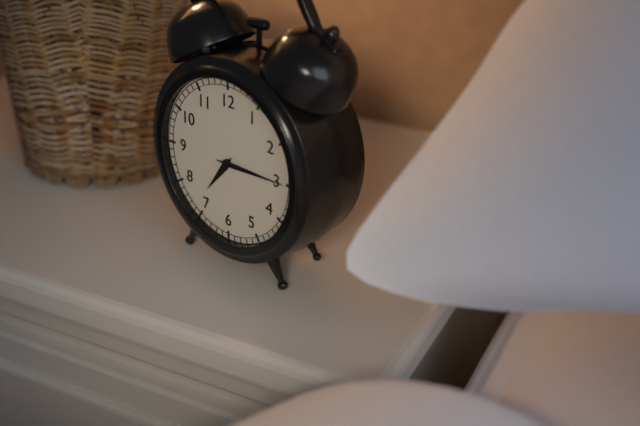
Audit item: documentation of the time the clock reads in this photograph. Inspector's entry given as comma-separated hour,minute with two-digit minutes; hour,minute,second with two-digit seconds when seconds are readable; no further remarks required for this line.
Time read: 7,15
